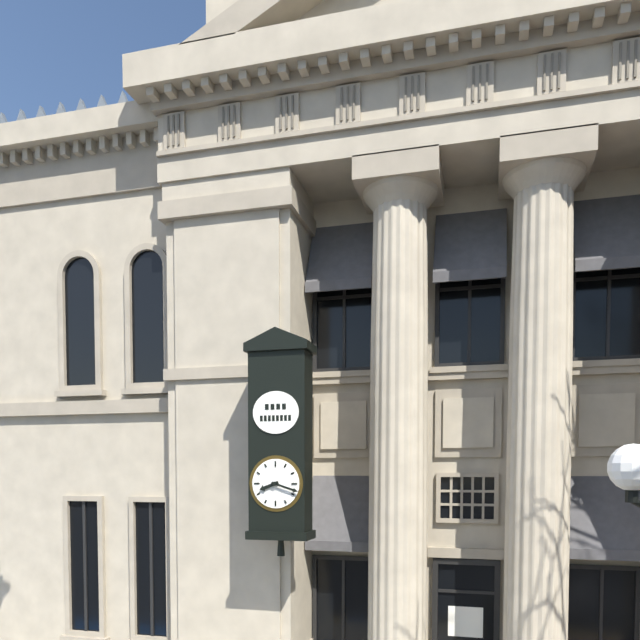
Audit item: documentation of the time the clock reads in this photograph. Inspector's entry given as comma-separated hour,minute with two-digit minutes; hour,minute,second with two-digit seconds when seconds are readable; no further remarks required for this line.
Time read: 8,18
